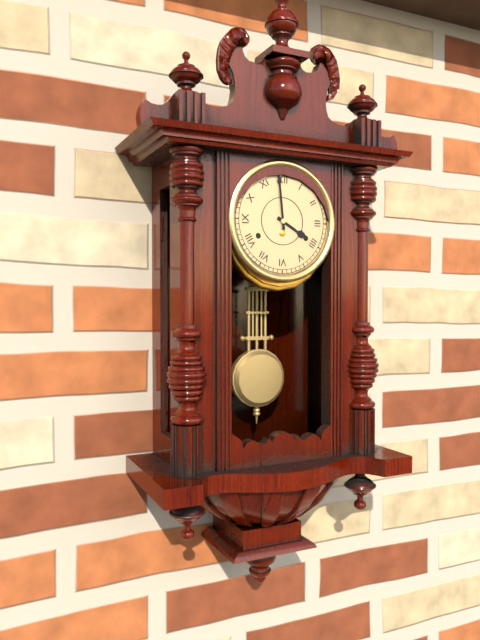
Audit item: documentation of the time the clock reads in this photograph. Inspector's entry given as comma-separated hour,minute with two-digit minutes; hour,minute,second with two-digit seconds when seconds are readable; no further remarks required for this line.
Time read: 3,59
